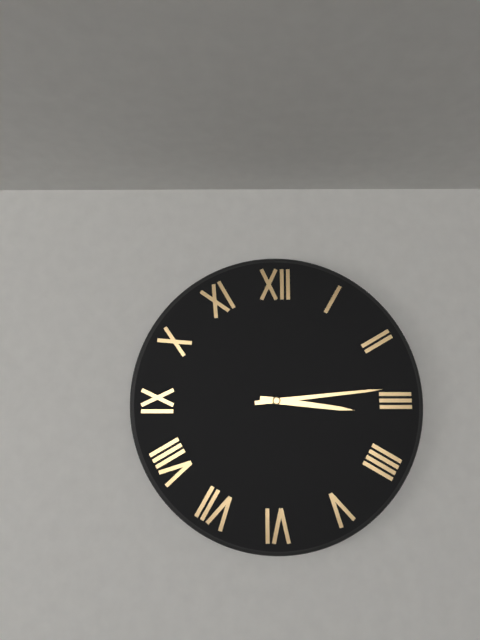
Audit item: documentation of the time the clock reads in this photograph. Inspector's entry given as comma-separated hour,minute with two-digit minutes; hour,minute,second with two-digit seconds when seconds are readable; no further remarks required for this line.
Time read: 3,14
